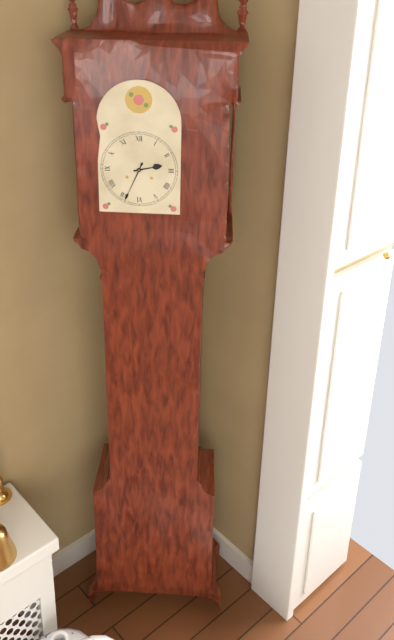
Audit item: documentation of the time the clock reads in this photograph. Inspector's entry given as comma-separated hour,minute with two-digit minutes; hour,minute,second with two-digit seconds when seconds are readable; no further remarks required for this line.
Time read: 2,34
